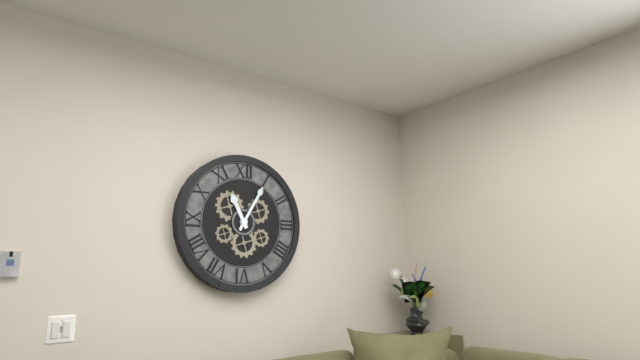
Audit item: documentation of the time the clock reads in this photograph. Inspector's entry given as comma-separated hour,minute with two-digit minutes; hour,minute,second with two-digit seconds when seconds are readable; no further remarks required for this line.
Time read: 11,05
